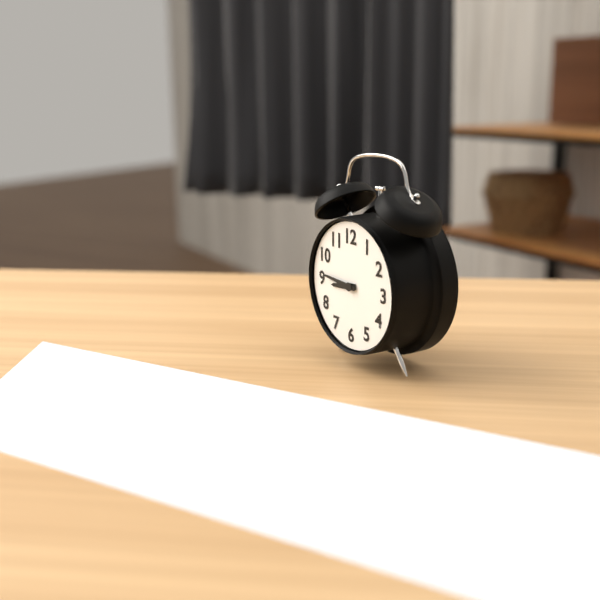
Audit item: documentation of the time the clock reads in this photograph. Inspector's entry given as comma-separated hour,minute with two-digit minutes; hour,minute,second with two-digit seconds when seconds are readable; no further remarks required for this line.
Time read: 8,46
